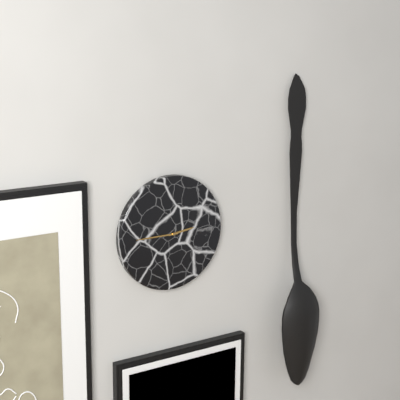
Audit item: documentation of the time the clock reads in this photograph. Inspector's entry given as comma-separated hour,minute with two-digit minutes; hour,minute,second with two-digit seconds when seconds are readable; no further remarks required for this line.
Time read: 2,45
